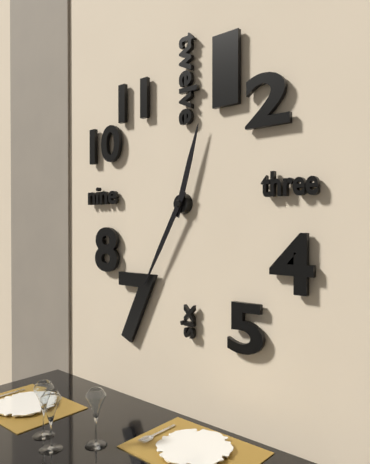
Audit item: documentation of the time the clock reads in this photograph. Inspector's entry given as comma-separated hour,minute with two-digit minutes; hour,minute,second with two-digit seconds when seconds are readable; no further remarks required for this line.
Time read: 12,35
